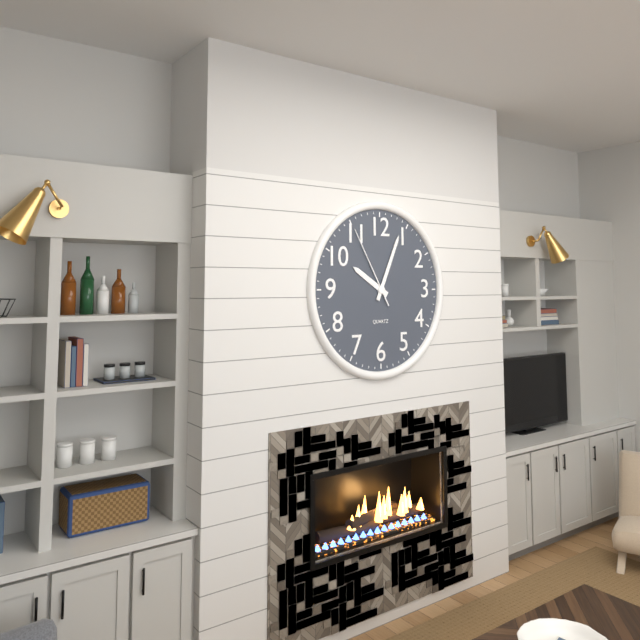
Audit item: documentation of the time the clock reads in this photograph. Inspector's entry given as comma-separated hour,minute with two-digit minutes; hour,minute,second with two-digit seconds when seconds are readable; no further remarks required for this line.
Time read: 10,04,55
